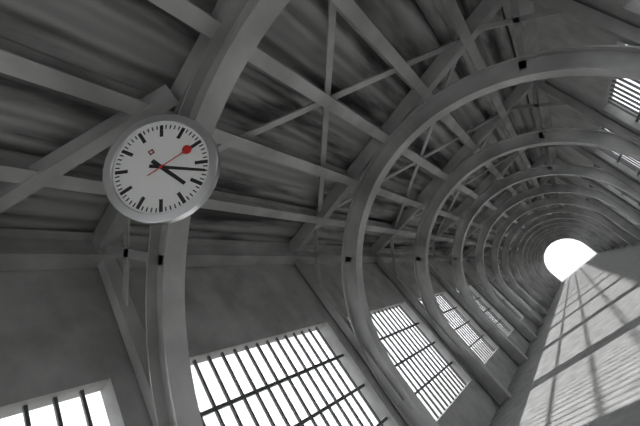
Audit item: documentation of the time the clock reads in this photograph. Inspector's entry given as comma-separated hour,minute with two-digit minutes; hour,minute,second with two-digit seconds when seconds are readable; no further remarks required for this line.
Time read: 5,22
